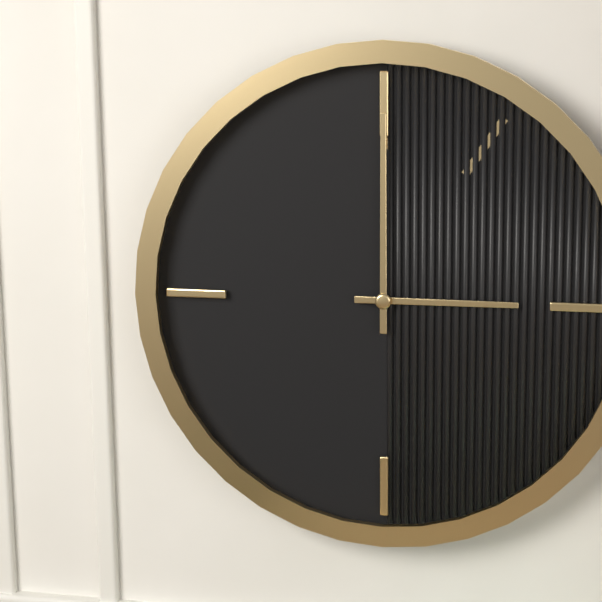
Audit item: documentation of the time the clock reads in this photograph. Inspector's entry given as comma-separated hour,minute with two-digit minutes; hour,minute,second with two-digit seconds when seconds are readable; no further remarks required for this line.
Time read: 3,00
